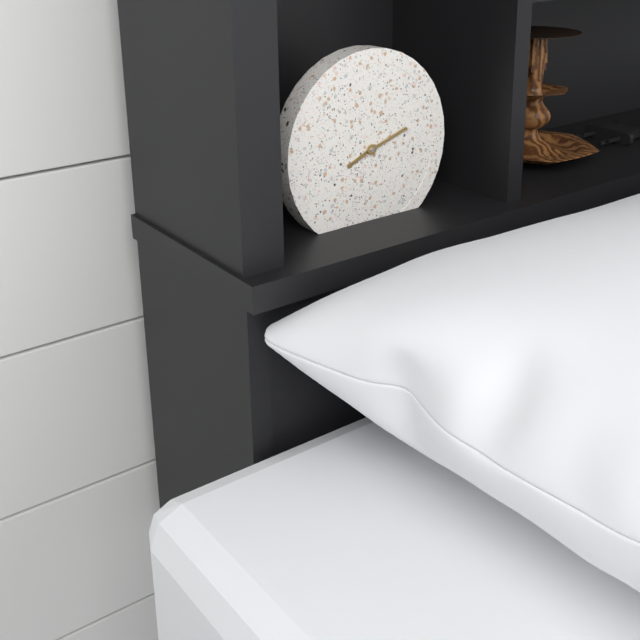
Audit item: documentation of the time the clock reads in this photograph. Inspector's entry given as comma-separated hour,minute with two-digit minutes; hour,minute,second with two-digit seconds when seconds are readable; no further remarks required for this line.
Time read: 8,12
